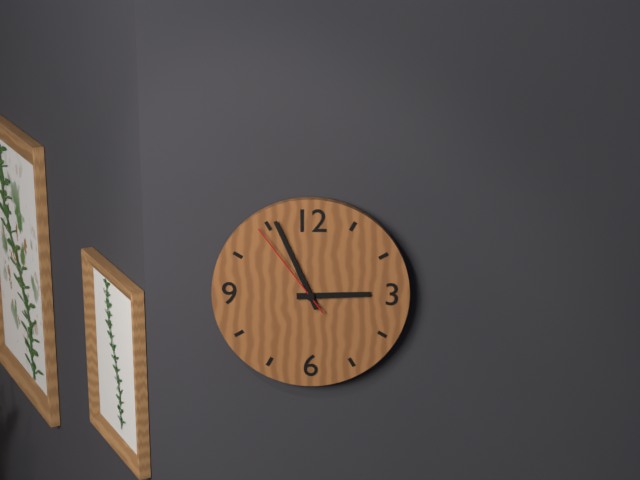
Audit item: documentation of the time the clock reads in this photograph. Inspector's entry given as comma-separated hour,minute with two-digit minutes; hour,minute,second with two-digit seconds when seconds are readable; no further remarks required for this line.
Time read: 2,56,54
